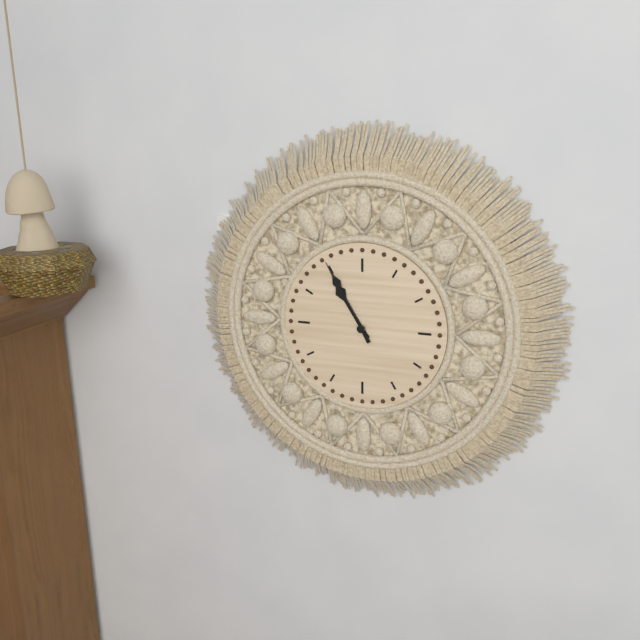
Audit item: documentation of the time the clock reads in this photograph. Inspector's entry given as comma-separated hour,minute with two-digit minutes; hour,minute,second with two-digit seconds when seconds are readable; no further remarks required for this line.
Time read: 10,55
